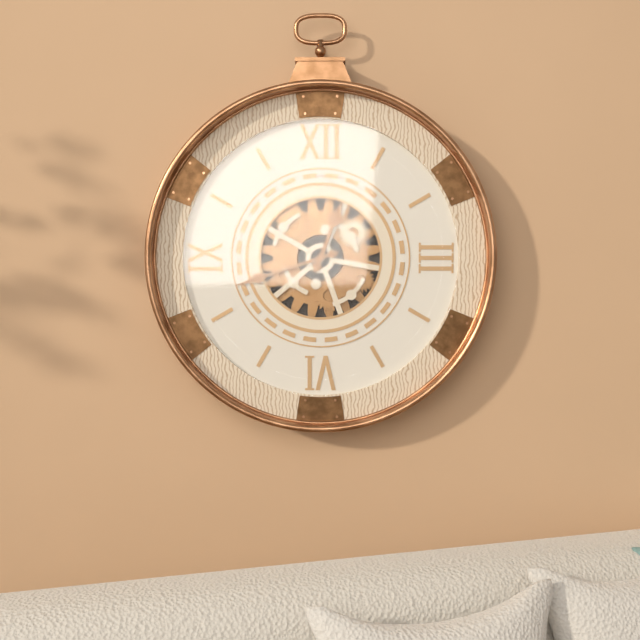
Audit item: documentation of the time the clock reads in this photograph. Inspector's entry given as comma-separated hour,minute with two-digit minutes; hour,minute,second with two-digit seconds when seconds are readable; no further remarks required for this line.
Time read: 12,42
